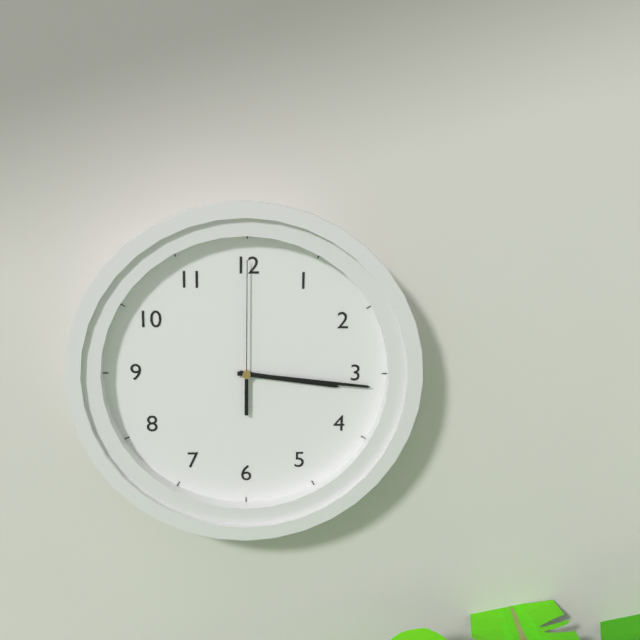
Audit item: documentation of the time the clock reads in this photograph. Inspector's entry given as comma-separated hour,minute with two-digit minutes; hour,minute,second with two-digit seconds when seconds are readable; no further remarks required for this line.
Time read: 3,16,00
